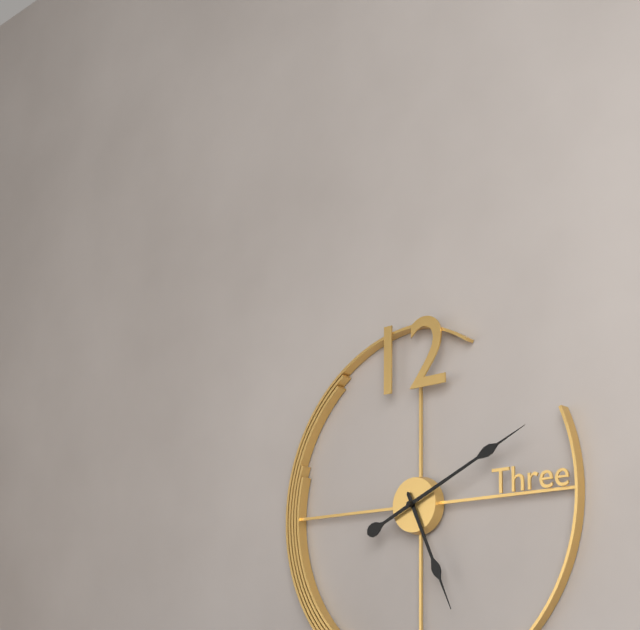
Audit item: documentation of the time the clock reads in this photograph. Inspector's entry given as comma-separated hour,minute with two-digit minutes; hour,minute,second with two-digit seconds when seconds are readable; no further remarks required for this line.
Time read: 5,11
